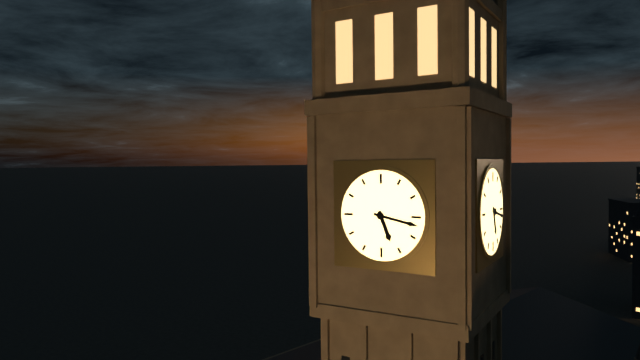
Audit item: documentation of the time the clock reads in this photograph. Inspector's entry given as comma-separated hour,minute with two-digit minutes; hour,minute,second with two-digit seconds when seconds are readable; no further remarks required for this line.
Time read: 5,17
